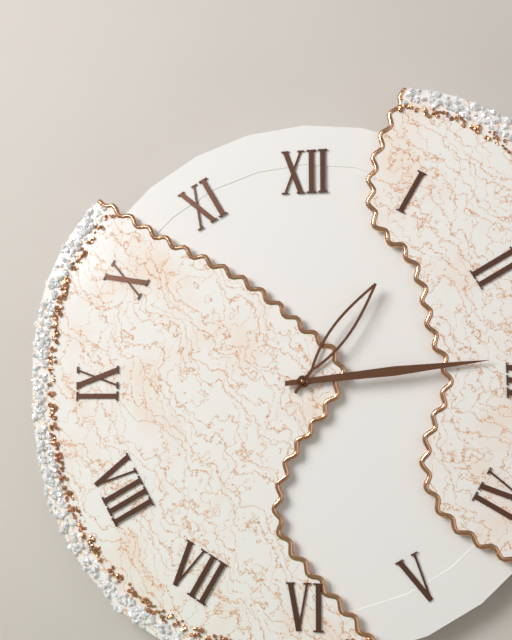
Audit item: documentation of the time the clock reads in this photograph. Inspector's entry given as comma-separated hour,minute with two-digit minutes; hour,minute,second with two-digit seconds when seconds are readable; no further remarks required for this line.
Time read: 1,14
